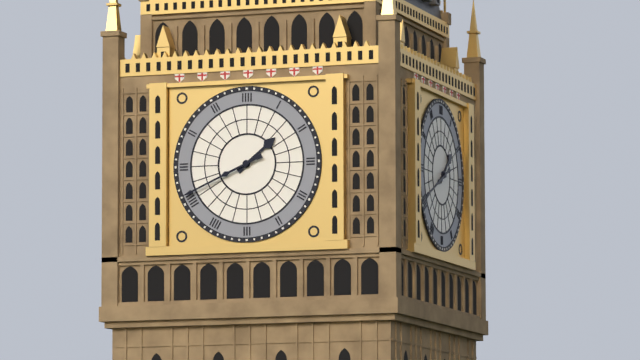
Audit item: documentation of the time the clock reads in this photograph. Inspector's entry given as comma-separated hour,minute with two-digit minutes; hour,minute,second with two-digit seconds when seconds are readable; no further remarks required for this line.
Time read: 1,41
